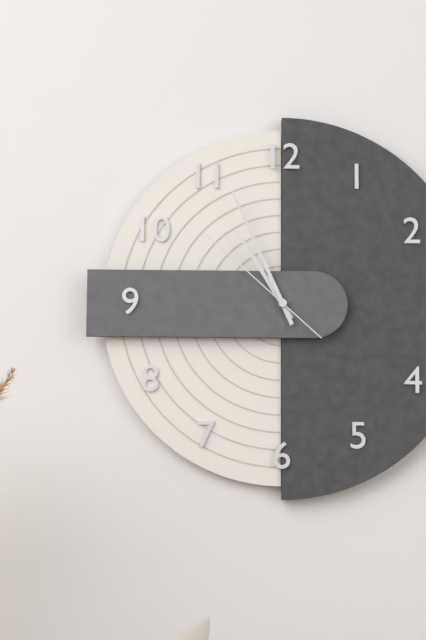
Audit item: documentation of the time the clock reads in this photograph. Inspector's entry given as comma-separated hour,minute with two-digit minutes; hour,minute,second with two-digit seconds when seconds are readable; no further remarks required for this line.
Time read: 10,56,52
